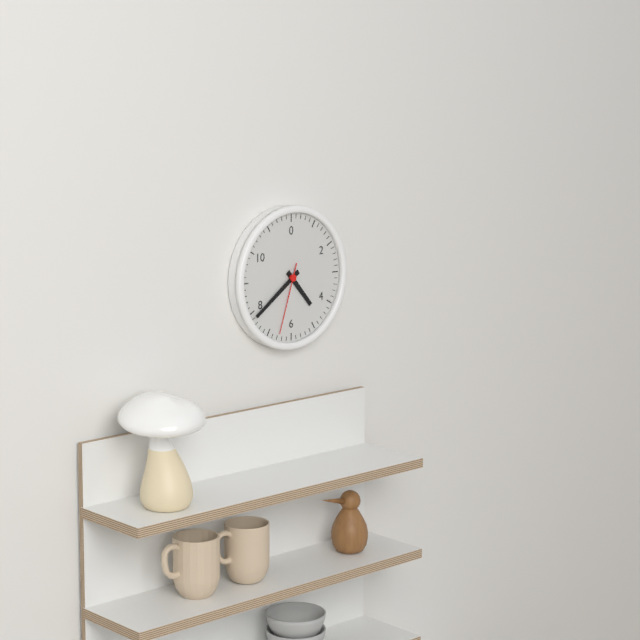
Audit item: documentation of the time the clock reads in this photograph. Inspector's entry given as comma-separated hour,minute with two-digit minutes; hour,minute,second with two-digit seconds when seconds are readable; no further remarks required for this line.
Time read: 4,39,33
